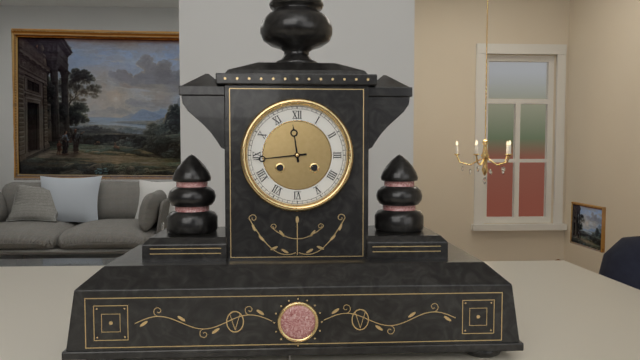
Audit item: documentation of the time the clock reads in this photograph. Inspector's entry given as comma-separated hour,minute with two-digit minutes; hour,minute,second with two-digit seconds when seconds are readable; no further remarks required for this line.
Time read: 11,44
